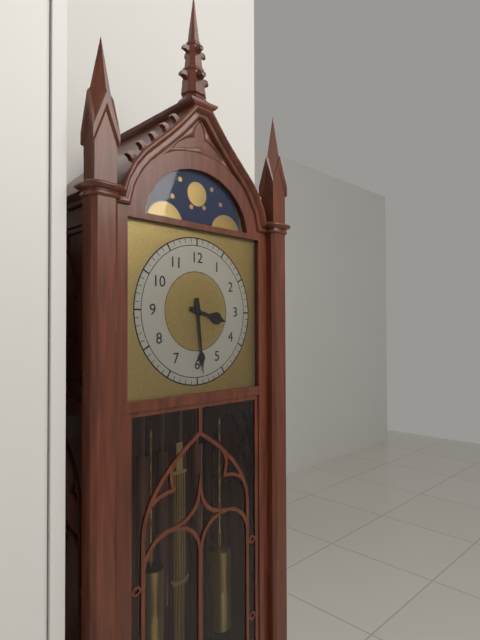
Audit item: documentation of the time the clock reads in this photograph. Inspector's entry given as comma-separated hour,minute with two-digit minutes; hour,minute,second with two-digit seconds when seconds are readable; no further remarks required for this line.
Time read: 3,29
